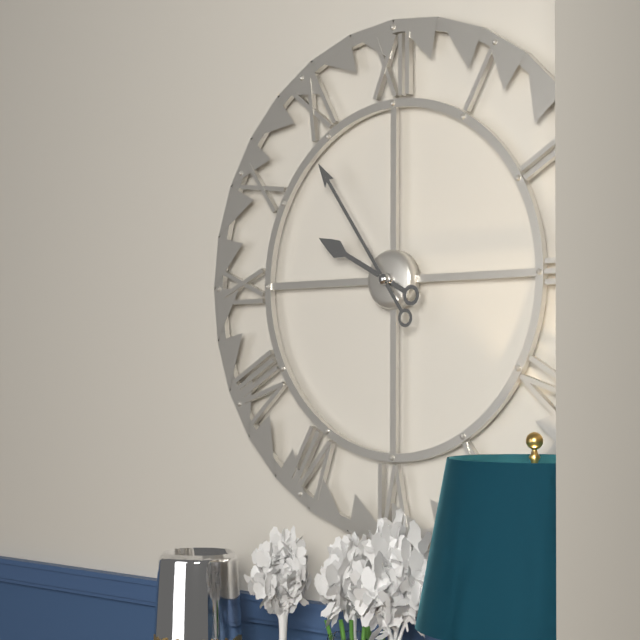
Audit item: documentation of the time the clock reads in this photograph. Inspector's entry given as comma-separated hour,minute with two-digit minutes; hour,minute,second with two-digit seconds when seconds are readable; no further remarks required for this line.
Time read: 9,54
